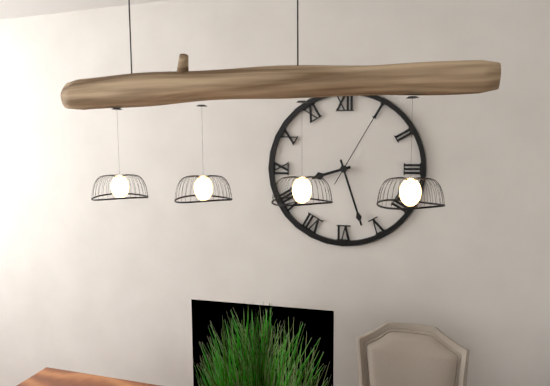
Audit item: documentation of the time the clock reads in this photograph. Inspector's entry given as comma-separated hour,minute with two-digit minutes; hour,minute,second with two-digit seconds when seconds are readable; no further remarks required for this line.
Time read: 8,27,05
